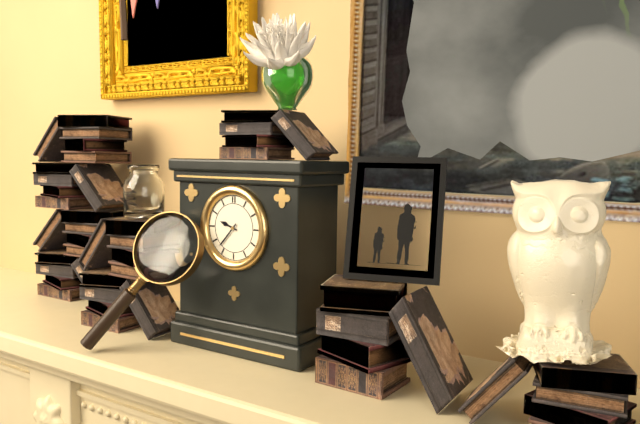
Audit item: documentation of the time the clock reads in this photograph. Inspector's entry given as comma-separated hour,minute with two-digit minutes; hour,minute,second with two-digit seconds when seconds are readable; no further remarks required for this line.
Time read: 9,37
